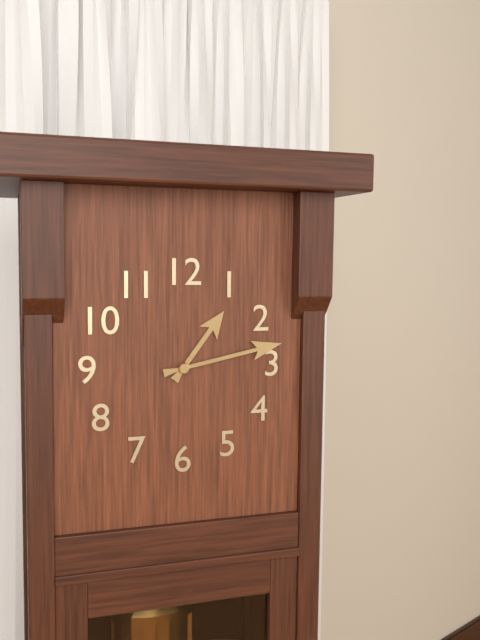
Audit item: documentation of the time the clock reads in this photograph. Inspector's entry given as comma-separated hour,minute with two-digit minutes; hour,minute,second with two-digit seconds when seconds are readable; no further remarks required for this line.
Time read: 1,13
